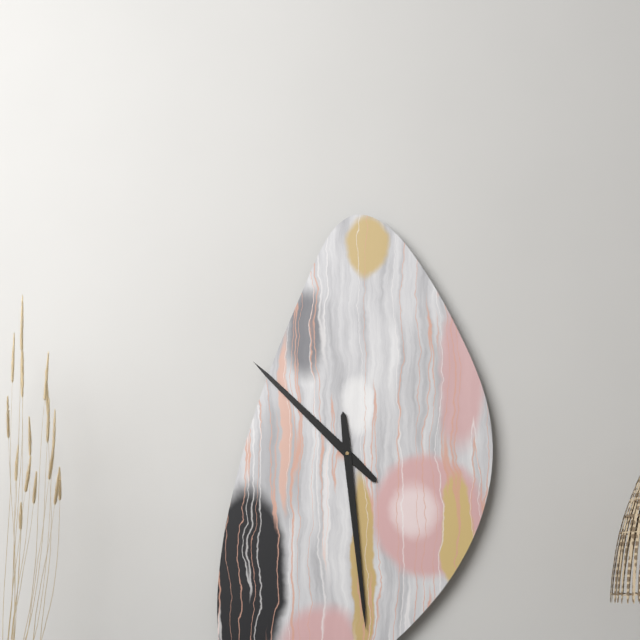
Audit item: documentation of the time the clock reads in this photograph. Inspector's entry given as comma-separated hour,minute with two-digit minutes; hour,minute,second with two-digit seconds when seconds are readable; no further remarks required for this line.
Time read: 10,29
